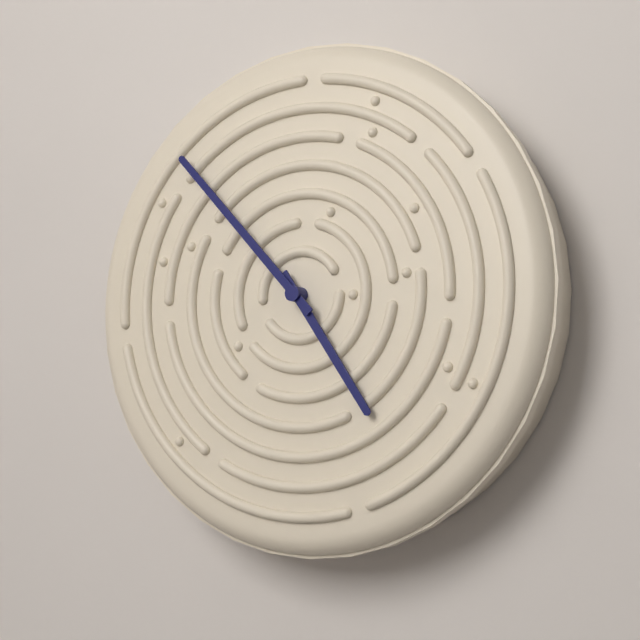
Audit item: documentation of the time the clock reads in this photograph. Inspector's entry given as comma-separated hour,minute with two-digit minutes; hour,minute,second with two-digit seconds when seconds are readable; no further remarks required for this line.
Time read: 4,53
